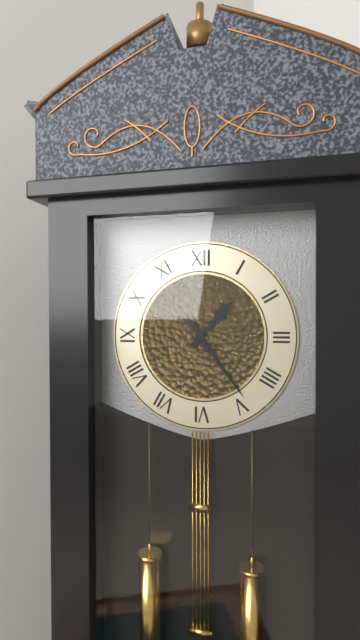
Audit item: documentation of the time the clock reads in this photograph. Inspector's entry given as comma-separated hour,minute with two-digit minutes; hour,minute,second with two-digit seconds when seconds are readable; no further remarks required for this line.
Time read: 1,24
